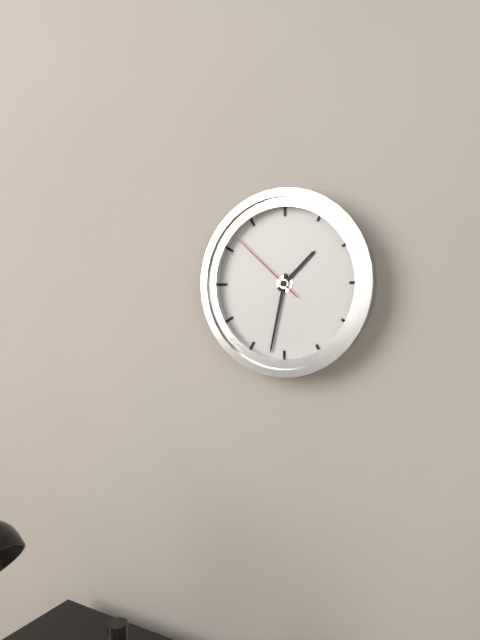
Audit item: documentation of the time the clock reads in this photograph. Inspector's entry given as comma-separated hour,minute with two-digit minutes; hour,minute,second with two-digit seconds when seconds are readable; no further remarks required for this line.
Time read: 1,32,52
